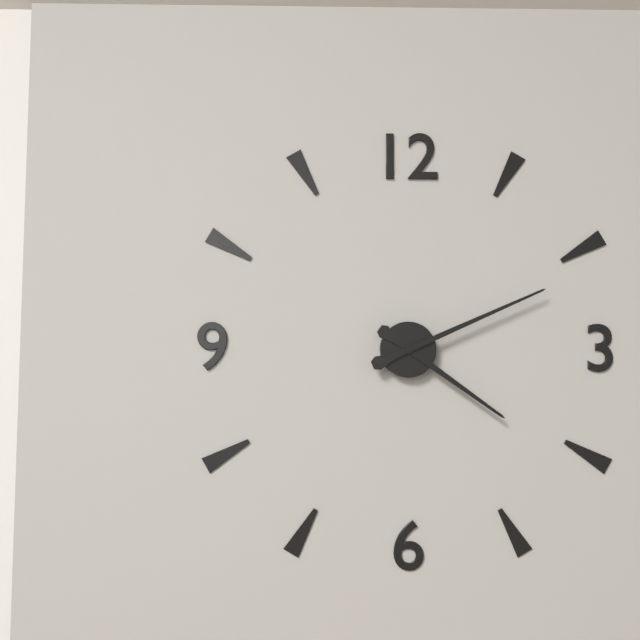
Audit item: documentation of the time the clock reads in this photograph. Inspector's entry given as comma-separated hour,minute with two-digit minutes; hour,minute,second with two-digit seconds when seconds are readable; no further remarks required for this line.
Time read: 4,11
